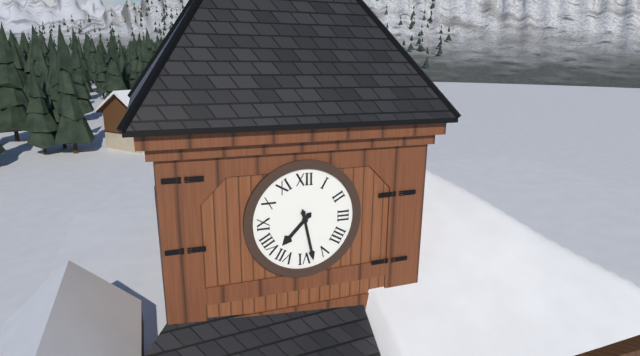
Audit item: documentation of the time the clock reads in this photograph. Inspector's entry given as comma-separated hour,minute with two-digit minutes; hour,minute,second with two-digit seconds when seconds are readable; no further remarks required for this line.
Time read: 7,28
